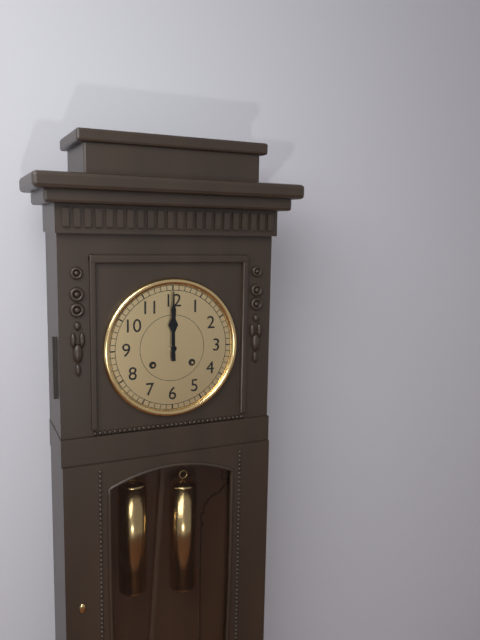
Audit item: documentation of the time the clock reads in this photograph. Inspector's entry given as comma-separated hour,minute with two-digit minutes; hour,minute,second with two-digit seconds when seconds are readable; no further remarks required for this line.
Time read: 12,00
